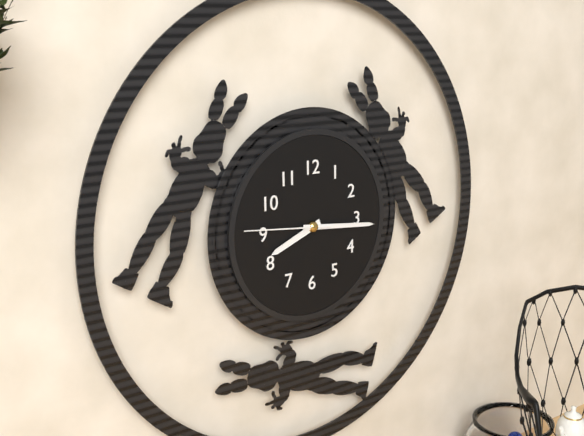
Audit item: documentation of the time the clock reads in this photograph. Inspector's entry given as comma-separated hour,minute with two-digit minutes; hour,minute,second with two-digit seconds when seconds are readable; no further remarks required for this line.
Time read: 8,16,46
